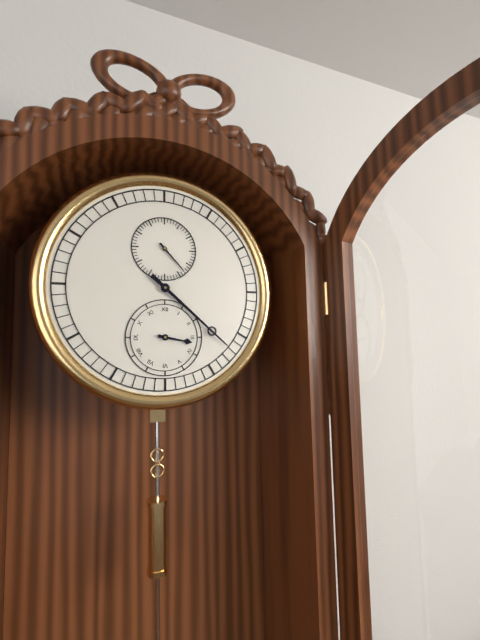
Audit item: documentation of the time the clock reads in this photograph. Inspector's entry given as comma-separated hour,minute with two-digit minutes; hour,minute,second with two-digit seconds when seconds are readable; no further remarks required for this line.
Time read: 3,22
